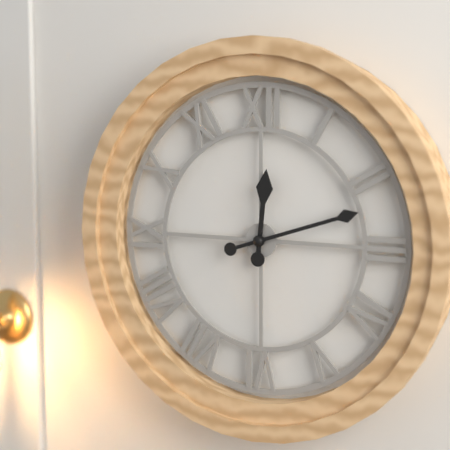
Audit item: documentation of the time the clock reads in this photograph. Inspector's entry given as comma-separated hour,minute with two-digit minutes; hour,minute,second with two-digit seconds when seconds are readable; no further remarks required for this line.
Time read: 12,12
